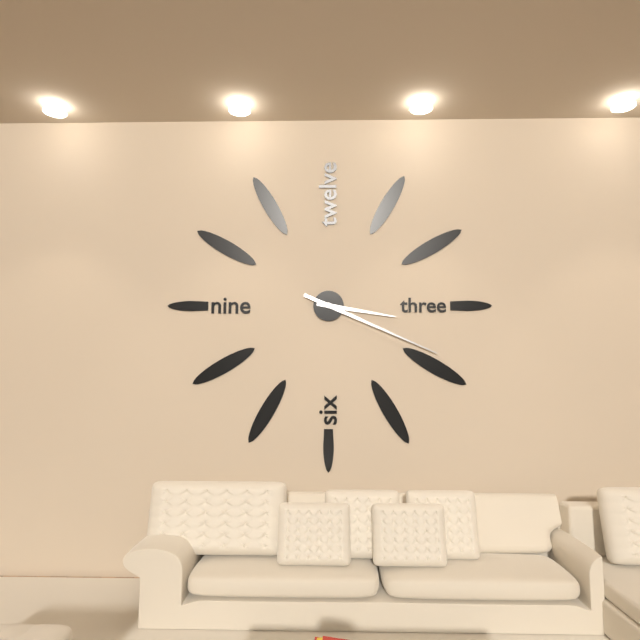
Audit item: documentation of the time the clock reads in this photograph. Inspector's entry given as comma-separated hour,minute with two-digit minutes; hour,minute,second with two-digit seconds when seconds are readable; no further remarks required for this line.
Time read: 3,19
